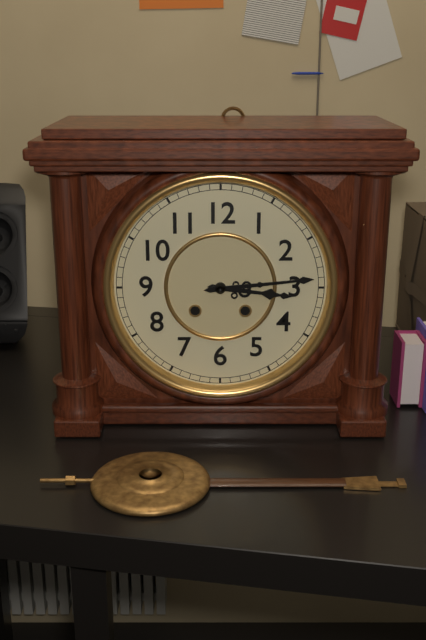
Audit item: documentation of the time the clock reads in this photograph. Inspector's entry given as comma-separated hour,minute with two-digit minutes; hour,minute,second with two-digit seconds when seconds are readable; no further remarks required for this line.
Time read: 3,14
